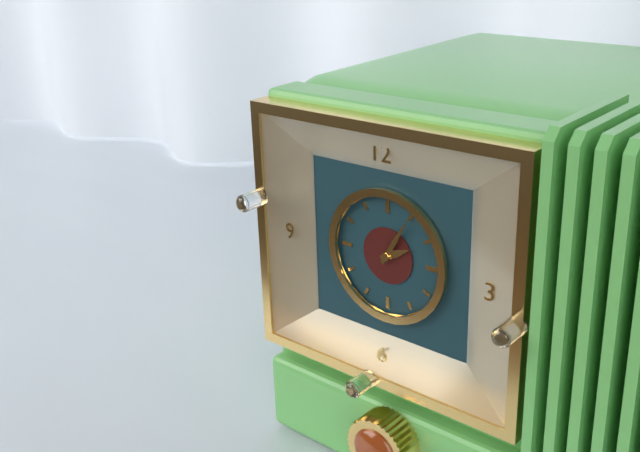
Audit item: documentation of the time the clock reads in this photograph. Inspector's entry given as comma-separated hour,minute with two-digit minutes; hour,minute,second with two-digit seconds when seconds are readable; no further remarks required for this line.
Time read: 2,05
